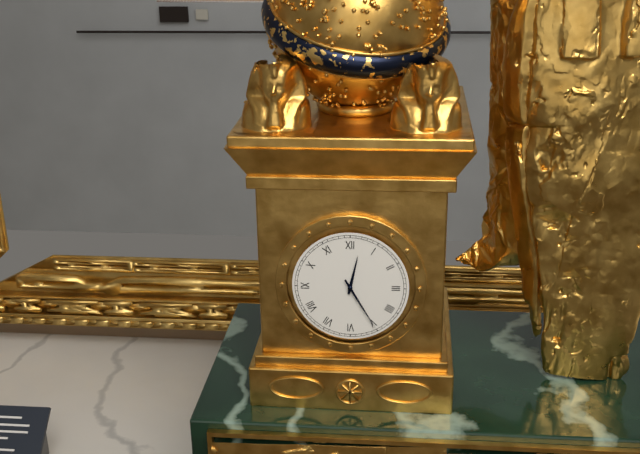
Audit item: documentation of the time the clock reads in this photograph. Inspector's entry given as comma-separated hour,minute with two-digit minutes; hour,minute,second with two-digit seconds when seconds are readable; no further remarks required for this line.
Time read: 12,25
